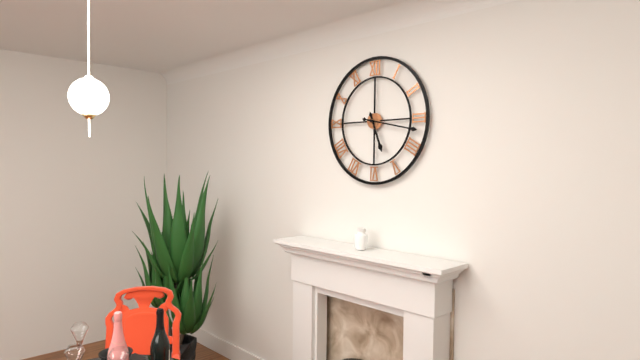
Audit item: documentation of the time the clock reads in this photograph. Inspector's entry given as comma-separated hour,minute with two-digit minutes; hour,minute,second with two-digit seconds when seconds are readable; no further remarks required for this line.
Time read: 5,17
